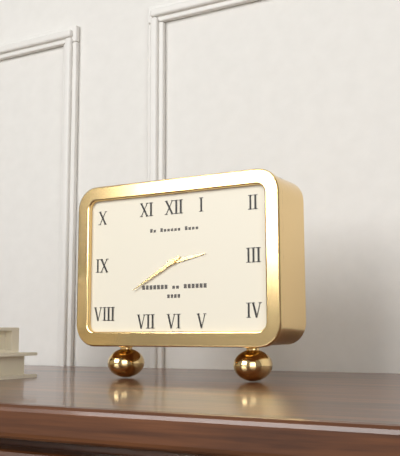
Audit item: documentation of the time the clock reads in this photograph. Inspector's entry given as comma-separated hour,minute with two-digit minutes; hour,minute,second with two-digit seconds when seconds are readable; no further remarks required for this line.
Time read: 2,40
